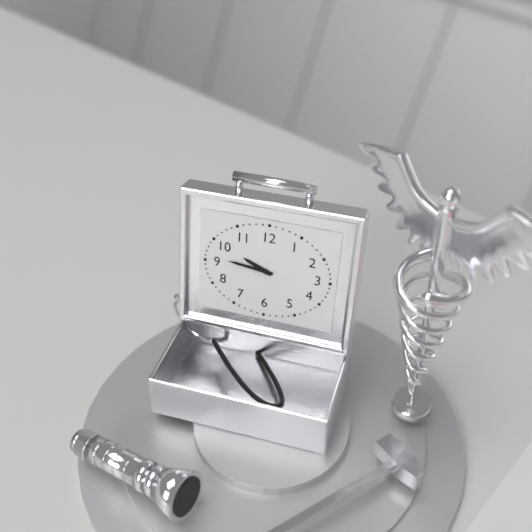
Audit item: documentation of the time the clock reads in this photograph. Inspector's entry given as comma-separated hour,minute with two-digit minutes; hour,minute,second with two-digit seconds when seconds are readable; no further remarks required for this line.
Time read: 9,46
